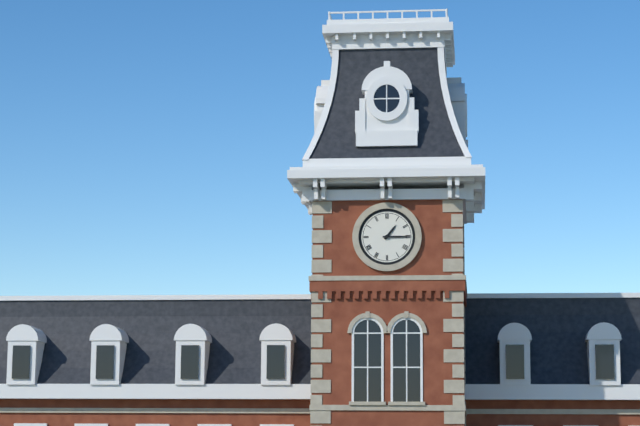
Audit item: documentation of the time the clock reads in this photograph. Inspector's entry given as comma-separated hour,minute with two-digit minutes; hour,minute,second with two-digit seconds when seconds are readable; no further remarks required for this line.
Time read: 1,15
